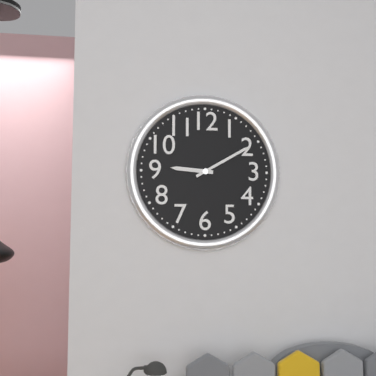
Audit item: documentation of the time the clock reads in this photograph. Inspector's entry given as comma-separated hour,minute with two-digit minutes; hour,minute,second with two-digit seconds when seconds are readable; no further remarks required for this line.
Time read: 9,10
